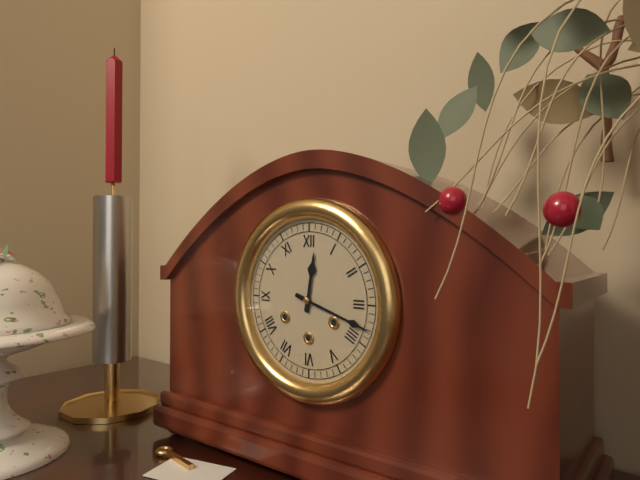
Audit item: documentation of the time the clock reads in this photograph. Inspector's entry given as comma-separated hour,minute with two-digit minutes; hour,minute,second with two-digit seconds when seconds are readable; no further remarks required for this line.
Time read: 12,18
